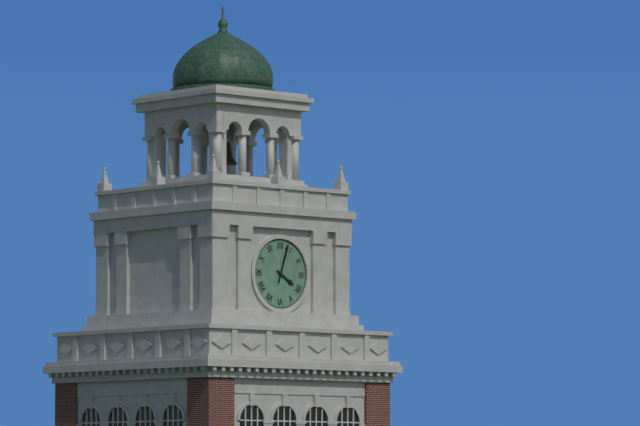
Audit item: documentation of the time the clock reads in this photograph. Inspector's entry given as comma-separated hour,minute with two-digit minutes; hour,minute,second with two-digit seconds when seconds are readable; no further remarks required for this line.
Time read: 4,03
